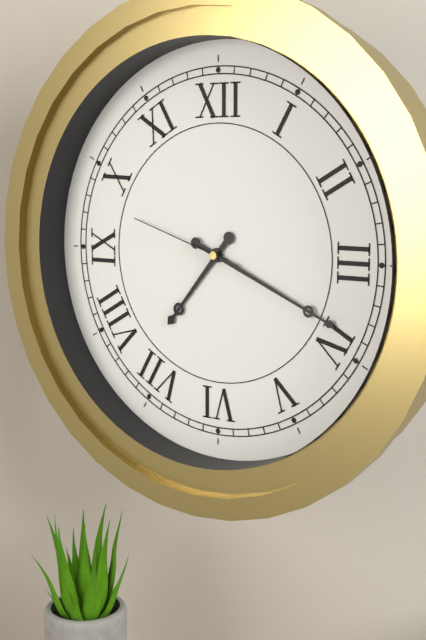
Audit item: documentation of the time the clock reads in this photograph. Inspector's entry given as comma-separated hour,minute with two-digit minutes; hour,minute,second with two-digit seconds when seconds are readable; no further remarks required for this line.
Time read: 7,19,48
